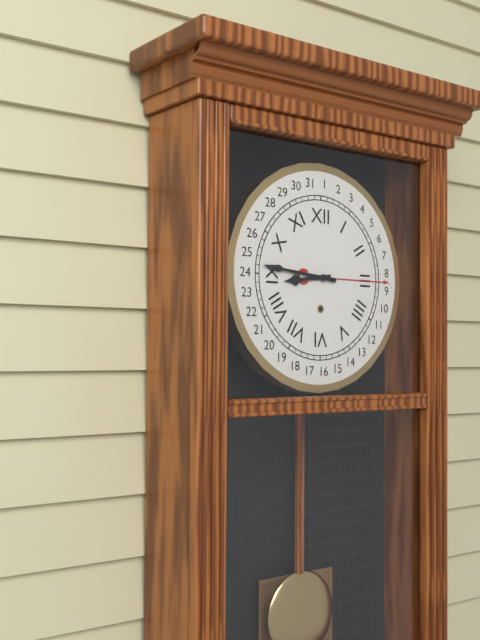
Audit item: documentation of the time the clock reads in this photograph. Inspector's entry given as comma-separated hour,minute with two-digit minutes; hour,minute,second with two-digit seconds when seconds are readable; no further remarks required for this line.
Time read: 8,46
